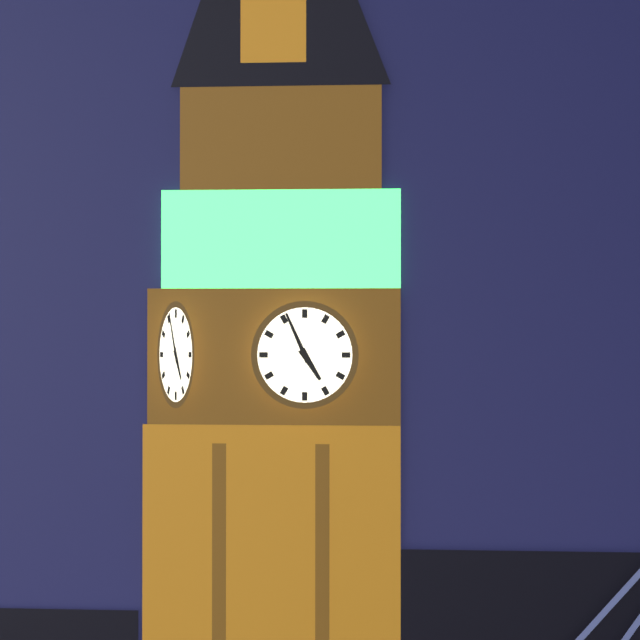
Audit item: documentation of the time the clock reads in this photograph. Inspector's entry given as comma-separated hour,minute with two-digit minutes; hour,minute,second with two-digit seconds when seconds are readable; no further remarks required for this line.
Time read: 4,56
